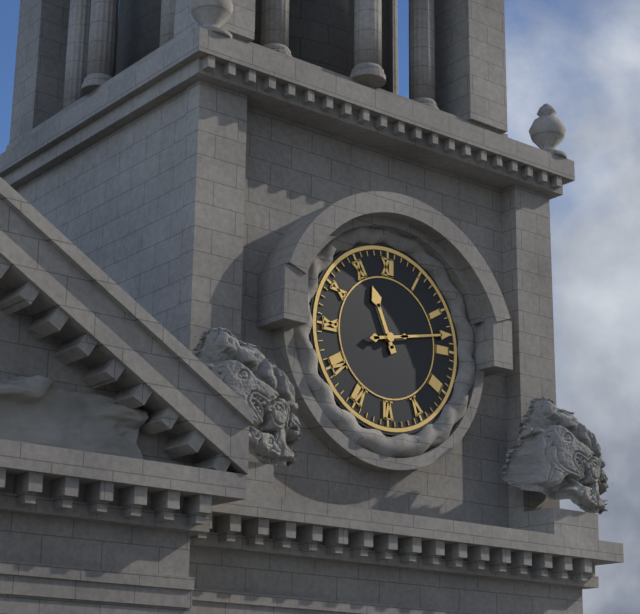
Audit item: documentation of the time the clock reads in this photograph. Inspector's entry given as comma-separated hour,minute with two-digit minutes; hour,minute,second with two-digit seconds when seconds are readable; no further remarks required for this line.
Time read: 11,13
